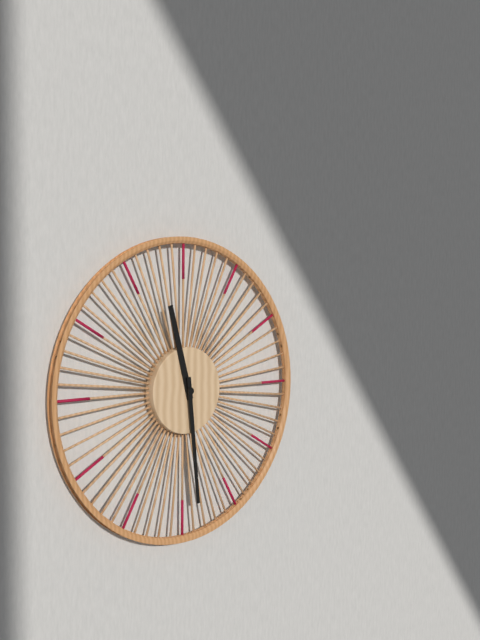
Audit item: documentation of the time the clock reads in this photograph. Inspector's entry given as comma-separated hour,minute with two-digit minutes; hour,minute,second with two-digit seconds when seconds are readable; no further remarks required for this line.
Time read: 11,29
